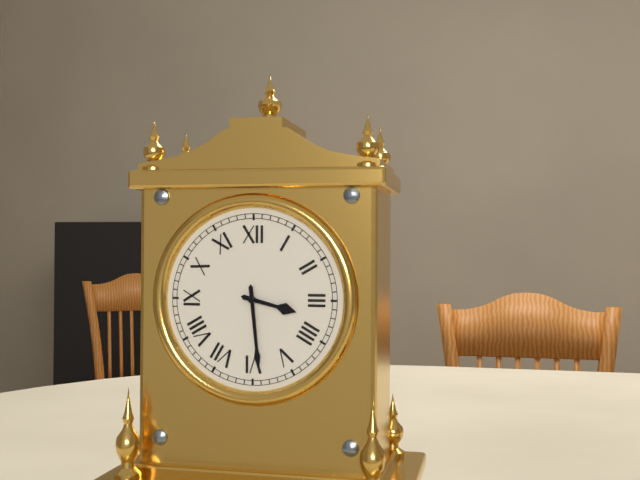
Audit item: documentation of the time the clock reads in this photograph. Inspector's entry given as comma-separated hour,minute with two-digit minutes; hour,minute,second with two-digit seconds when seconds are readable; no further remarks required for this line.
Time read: 3,29
